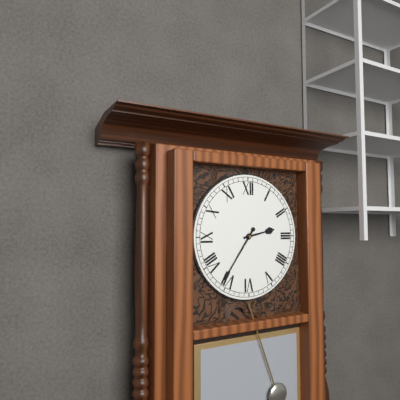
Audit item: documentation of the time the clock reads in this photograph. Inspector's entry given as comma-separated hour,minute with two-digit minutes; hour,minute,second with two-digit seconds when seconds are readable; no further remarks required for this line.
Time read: 2,36
